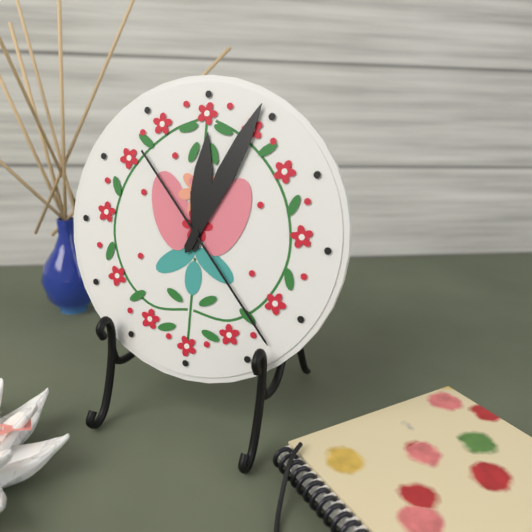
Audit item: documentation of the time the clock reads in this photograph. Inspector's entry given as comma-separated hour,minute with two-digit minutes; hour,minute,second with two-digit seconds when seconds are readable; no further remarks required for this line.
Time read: 12,04,23
